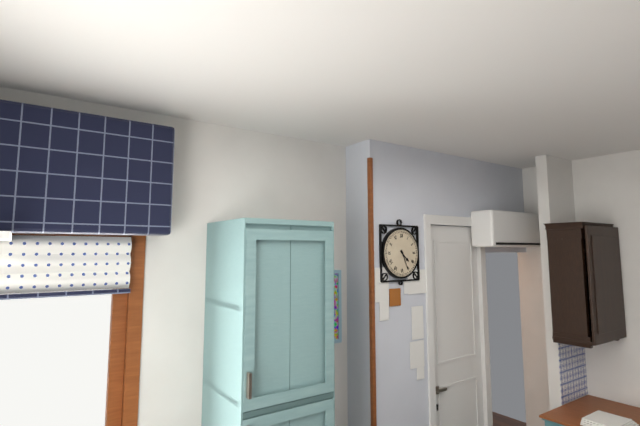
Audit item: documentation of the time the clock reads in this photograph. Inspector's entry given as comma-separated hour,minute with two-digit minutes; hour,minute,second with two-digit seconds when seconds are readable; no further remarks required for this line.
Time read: 4,26
